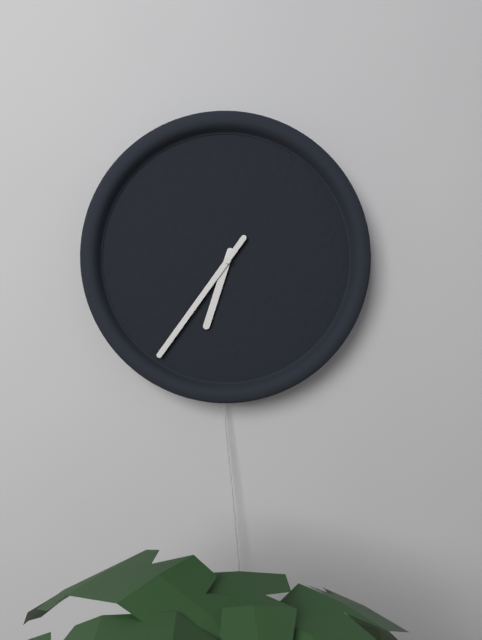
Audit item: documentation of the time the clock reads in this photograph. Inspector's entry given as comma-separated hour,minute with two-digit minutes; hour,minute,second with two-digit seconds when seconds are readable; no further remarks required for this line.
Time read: 6,36
